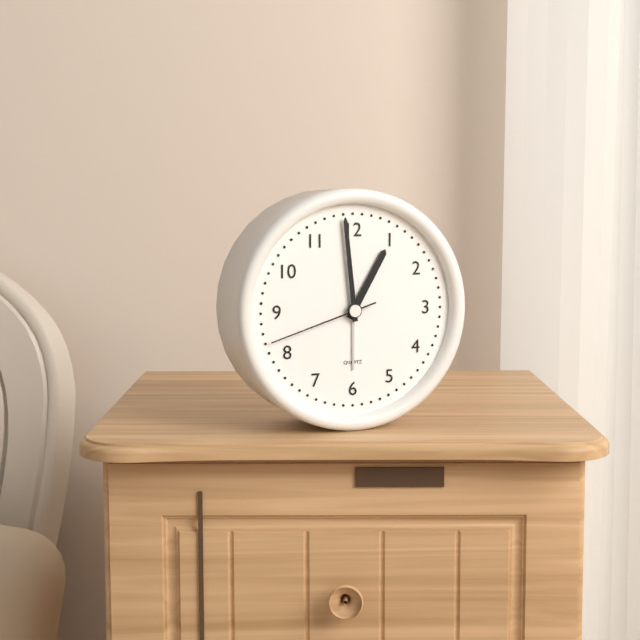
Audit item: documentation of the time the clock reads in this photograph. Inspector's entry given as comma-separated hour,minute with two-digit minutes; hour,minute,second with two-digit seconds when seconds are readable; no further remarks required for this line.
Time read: 12,59,42
